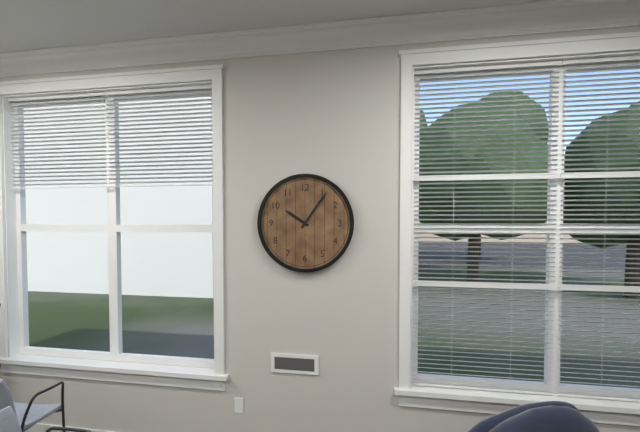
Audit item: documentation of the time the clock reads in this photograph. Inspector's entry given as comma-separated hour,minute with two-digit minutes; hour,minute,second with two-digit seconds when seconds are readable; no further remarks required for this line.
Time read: 10,06
